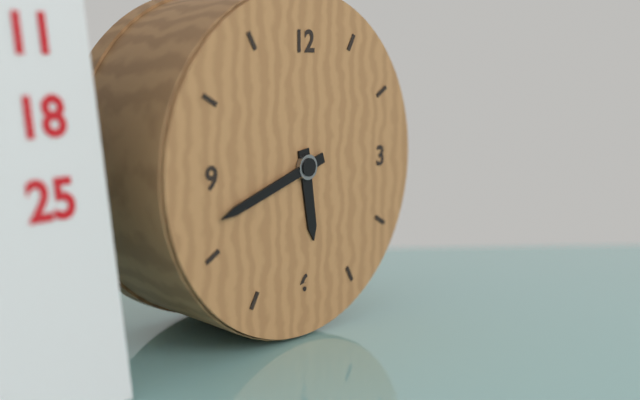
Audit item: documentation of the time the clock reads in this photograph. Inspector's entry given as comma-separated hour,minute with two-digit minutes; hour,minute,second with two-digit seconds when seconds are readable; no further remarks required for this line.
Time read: 5,42
